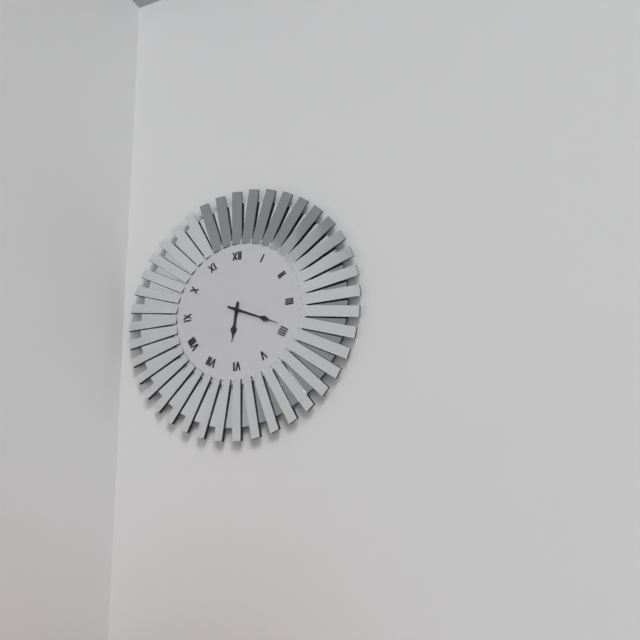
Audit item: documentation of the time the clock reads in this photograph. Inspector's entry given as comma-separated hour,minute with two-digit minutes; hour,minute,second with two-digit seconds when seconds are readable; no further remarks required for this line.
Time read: 6,19
